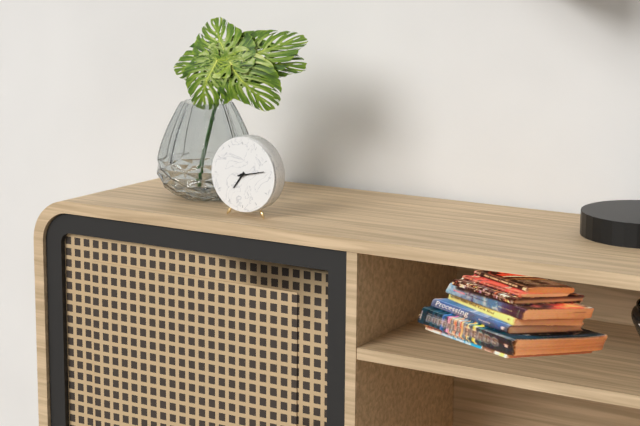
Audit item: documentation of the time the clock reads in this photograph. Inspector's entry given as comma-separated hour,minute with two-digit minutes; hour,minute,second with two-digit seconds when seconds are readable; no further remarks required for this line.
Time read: 7,13
